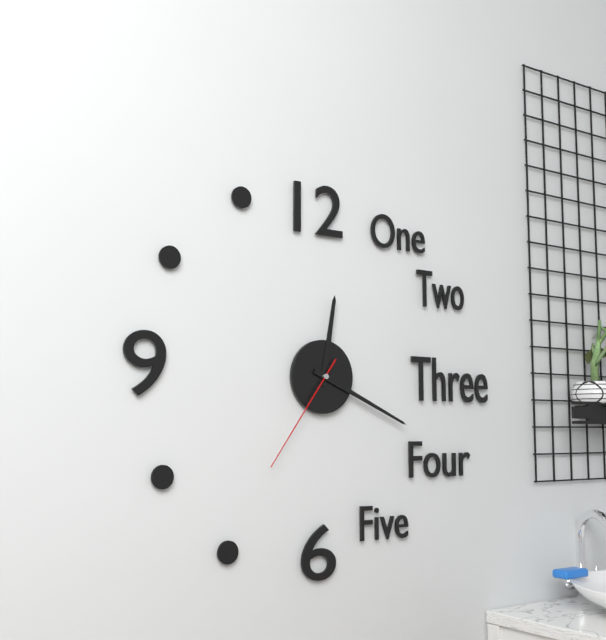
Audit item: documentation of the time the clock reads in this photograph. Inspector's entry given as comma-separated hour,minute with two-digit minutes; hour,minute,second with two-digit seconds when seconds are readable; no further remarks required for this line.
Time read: 12,19,36
